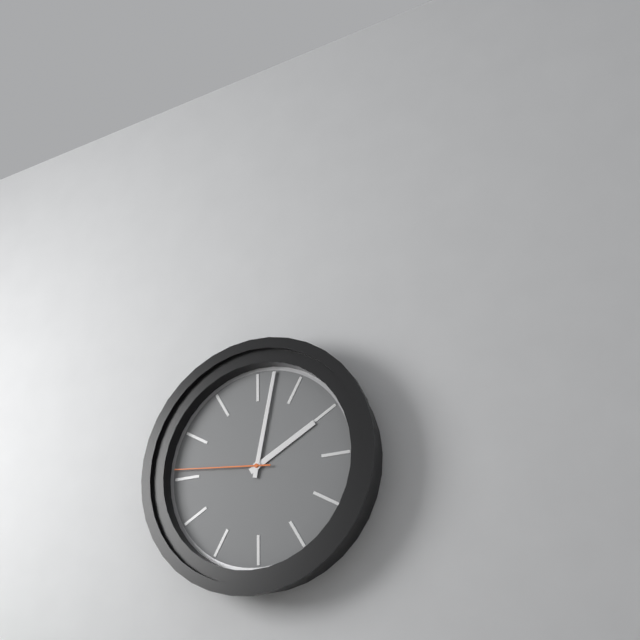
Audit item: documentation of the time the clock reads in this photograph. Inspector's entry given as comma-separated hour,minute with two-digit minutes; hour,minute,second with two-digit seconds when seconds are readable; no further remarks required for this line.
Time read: 2,02,46
